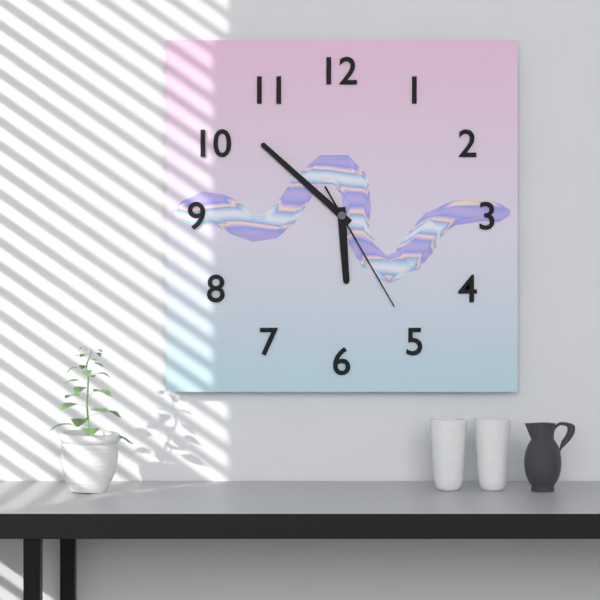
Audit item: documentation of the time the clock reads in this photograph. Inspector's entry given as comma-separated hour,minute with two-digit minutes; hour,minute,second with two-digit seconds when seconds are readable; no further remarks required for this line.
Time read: 5,52,25
